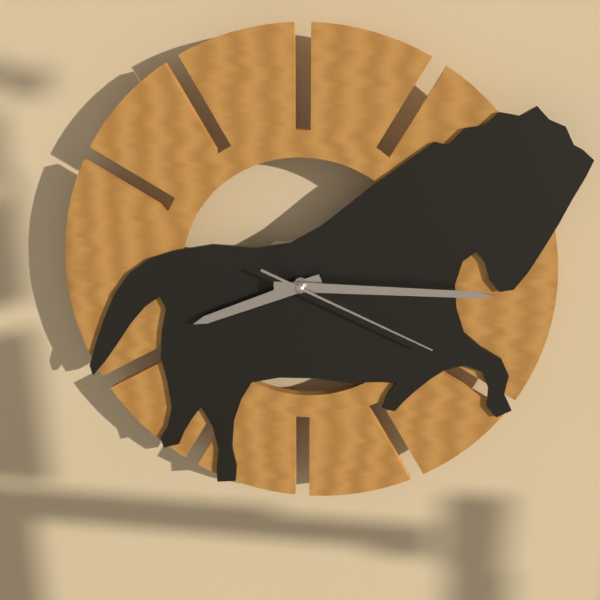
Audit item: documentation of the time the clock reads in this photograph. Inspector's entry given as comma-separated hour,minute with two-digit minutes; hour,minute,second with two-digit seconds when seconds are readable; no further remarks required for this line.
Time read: 8,15,19
